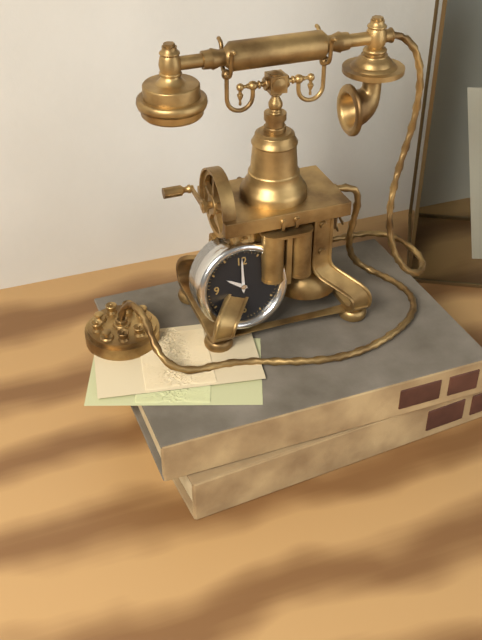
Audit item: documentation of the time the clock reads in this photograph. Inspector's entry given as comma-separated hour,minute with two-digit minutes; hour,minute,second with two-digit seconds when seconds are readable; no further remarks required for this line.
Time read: 10,00
